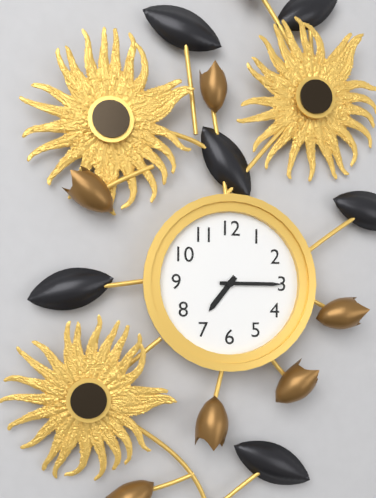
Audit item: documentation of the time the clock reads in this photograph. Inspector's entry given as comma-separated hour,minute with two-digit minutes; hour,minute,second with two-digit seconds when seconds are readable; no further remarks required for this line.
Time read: 7,15
